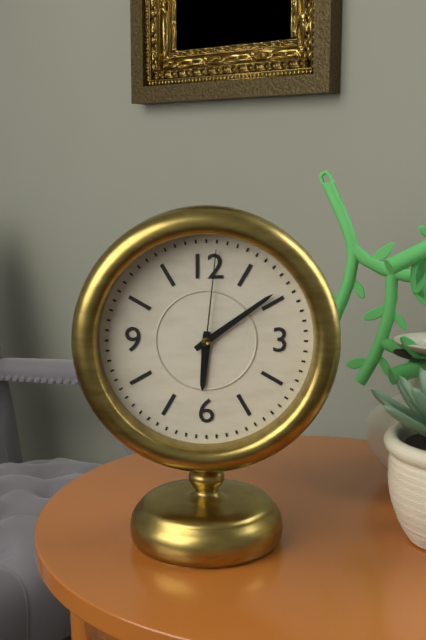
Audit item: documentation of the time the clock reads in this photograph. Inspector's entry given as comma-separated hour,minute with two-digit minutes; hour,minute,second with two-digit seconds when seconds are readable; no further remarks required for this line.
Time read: 6,09,01
